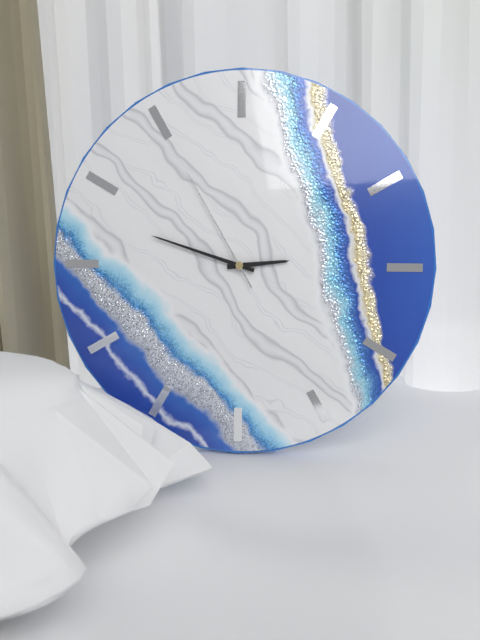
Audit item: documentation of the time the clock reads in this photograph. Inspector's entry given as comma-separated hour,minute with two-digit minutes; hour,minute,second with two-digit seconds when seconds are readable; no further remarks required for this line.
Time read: 2,48,55
